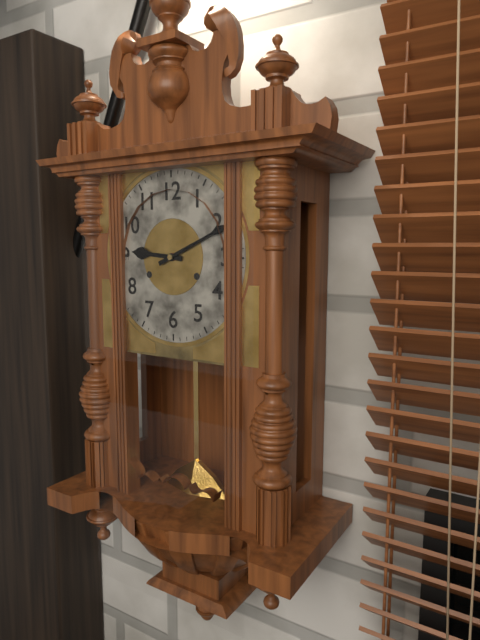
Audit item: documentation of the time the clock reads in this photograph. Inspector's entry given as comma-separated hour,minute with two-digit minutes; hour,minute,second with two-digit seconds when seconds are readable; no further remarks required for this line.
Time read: 9,11
